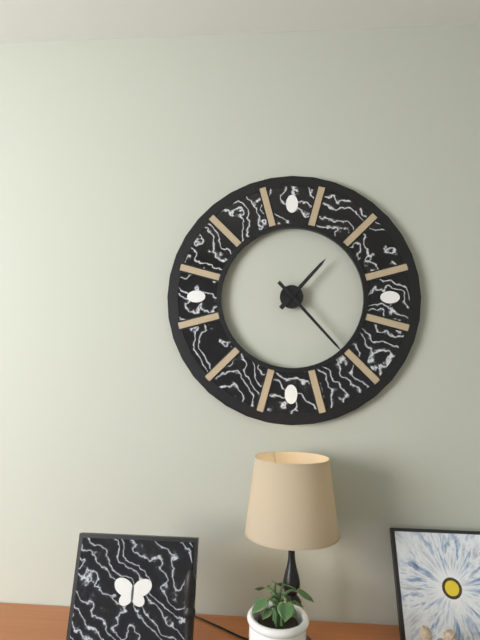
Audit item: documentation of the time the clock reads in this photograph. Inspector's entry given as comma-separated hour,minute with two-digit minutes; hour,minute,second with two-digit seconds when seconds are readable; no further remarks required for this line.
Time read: 1,23
